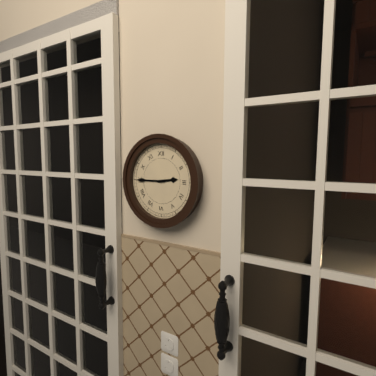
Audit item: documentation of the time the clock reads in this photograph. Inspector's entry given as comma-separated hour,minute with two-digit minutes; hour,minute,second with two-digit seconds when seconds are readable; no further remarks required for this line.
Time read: 2,45
